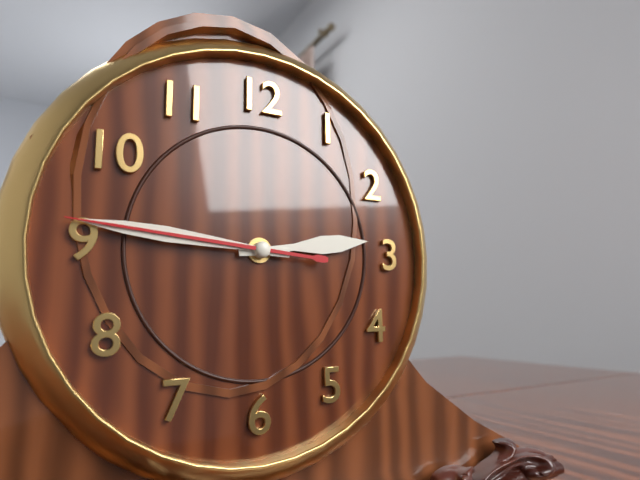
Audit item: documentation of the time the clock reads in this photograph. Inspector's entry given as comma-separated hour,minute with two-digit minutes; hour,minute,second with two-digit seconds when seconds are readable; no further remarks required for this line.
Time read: 2,46,46
